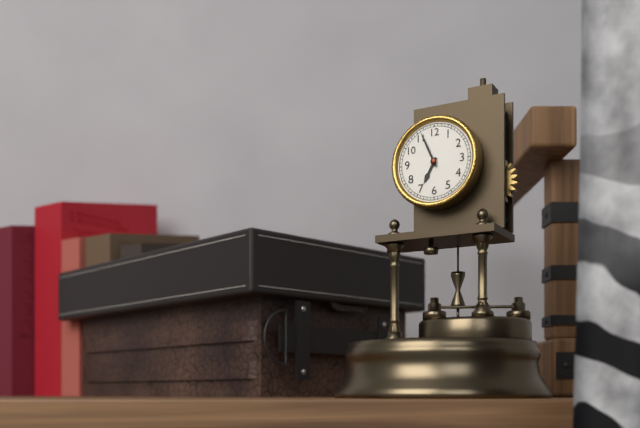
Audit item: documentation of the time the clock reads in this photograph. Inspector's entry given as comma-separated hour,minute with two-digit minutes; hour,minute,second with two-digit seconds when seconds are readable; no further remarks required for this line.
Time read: 6,56
